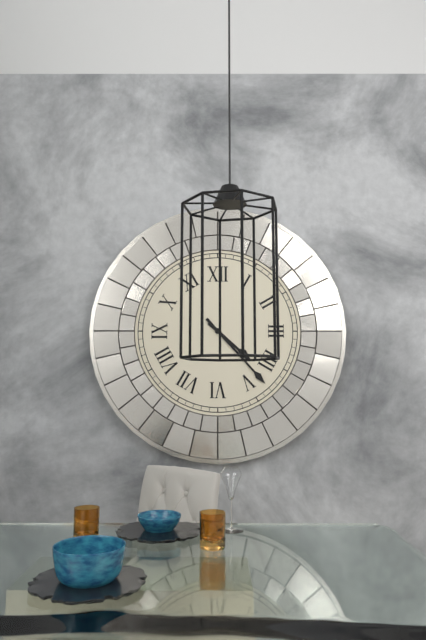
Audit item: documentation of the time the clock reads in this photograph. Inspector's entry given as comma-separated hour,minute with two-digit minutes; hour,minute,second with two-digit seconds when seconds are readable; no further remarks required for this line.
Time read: 4,23
